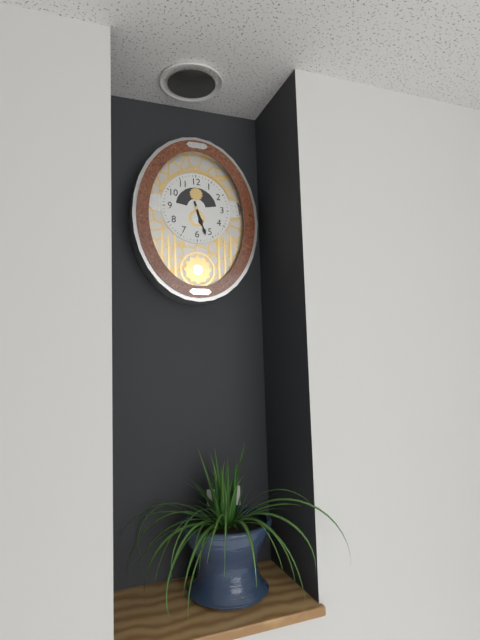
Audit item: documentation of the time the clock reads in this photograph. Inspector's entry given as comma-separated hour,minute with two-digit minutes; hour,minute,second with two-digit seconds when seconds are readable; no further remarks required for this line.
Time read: 5,27
